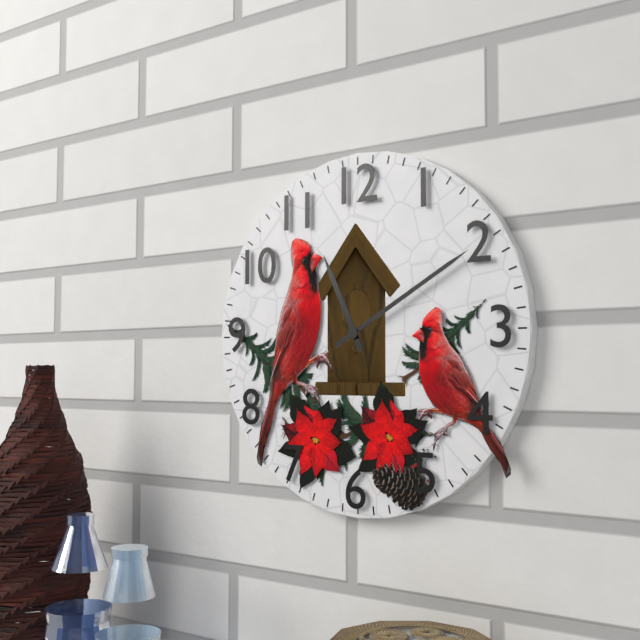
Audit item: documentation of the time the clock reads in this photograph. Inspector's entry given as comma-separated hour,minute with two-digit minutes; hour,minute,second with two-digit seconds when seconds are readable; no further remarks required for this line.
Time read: 11,10
